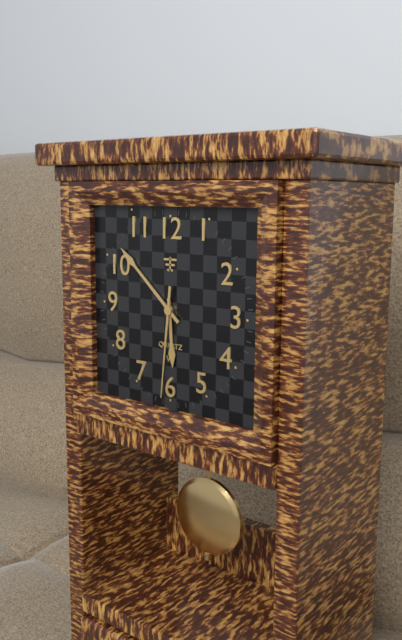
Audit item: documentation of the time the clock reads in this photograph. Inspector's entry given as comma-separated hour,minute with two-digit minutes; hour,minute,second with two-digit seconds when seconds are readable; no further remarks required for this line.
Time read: 5,52,31
